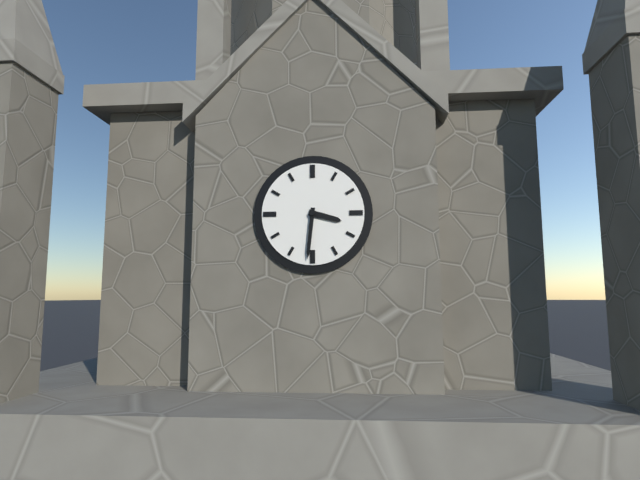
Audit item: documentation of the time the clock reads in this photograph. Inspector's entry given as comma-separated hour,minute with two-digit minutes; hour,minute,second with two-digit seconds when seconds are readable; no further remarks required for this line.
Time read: 3,31
